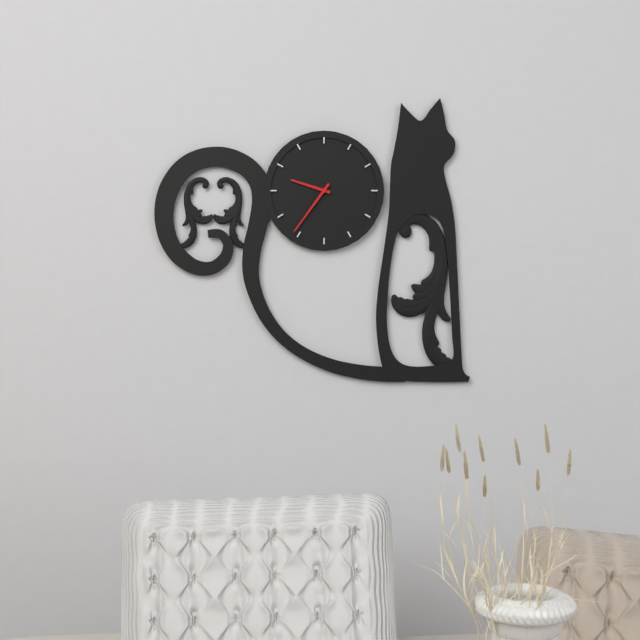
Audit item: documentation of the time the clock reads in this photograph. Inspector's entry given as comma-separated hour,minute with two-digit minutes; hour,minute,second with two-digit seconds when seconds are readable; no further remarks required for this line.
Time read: 9,36
